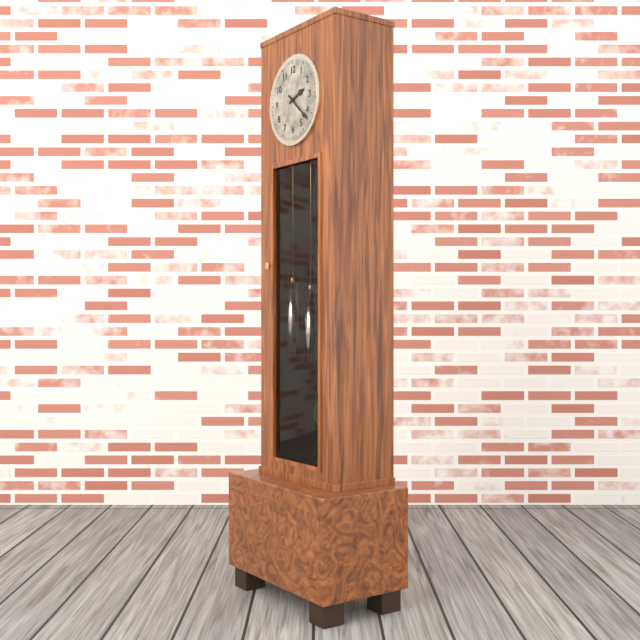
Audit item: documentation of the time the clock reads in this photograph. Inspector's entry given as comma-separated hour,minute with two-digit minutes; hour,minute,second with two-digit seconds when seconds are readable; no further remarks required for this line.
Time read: 2,22
